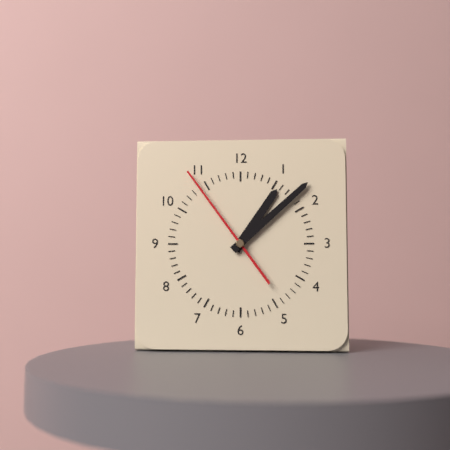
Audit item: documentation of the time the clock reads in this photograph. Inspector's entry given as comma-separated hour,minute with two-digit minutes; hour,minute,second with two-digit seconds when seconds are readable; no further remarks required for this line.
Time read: 1,08,54
